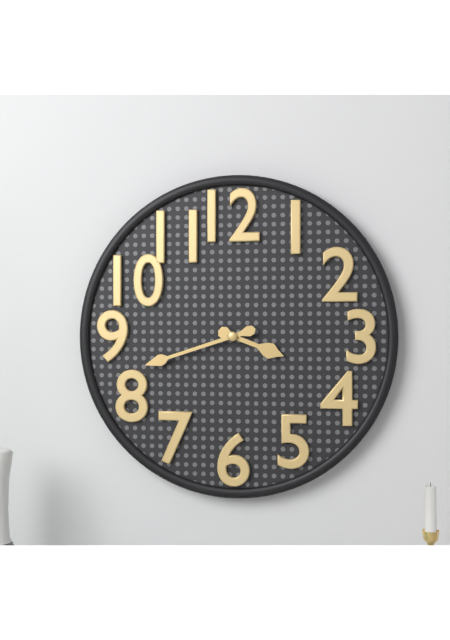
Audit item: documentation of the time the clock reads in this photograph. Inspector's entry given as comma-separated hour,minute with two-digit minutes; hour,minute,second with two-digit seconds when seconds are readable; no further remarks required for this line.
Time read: 3,42
